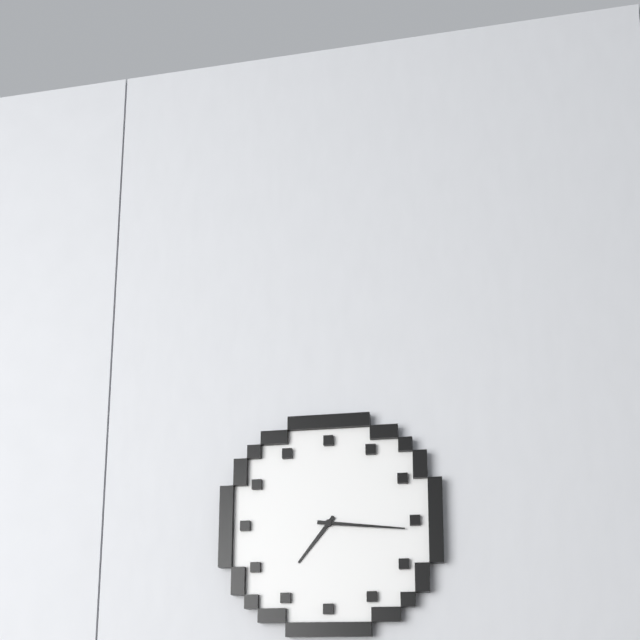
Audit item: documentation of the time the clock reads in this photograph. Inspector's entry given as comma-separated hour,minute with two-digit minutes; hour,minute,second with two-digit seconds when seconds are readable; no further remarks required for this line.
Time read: 7,16
